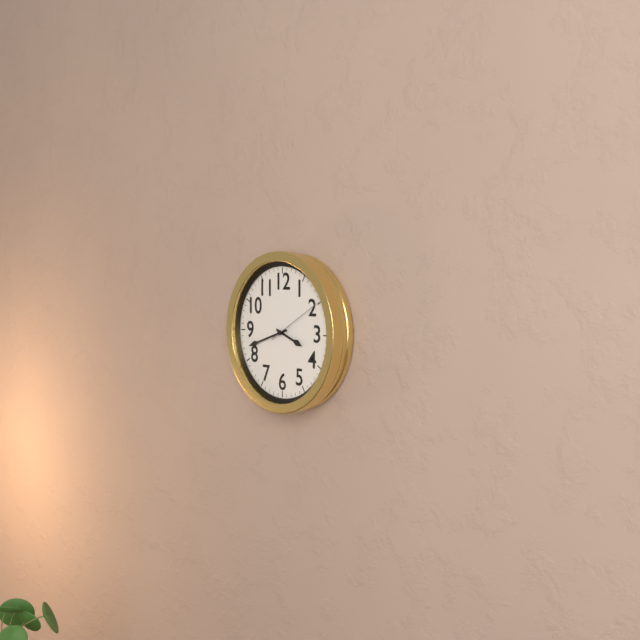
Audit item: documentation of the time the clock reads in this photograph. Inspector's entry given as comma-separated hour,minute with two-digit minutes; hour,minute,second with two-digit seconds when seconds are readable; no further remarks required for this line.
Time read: 3,42,10
